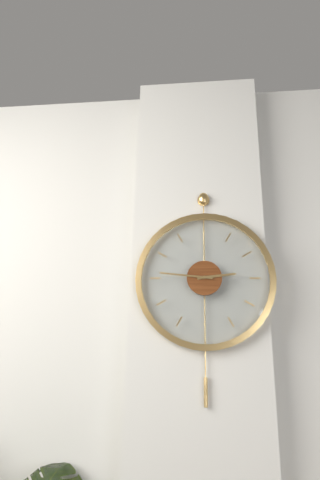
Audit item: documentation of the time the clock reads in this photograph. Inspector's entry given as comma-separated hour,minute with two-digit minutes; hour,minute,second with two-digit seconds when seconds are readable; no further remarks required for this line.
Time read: 2,46
